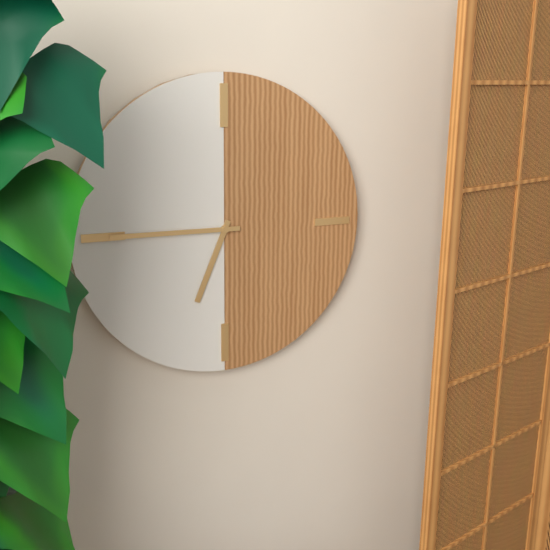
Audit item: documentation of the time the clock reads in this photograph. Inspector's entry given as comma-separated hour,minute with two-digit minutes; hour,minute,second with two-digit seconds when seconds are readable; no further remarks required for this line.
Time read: 6,45
